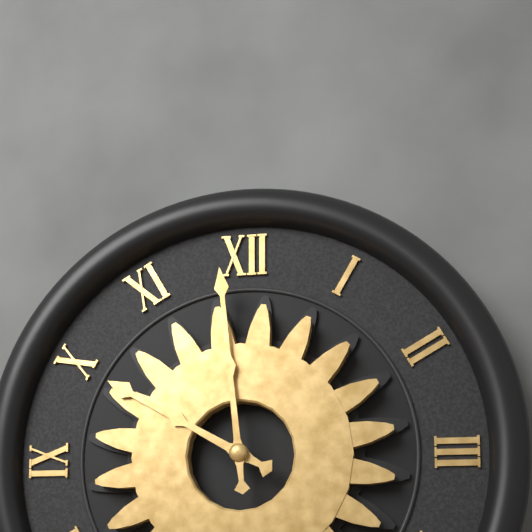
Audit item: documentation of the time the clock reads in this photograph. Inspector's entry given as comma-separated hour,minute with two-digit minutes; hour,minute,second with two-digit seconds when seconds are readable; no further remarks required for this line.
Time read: 9,59
